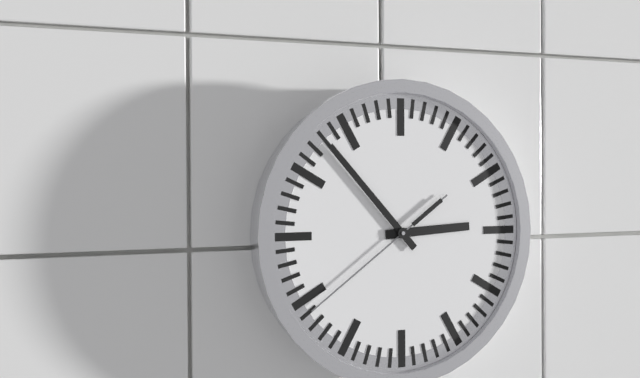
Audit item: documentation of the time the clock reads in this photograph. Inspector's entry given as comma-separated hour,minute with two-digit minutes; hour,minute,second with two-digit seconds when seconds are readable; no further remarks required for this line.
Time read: 2,53,39
